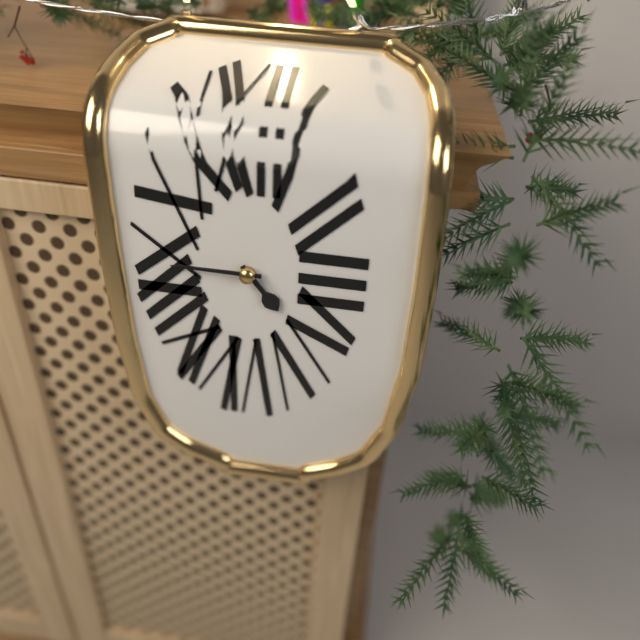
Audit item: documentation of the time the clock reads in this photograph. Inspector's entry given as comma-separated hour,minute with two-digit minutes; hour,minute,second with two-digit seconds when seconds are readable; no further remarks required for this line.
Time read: 4,45
